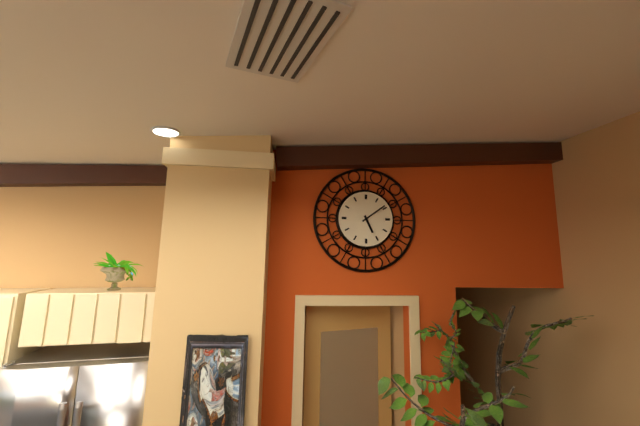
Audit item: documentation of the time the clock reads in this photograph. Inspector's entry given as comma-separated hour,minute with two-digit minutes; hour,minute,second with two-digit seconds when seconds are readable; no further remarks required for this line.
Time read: 5,09
